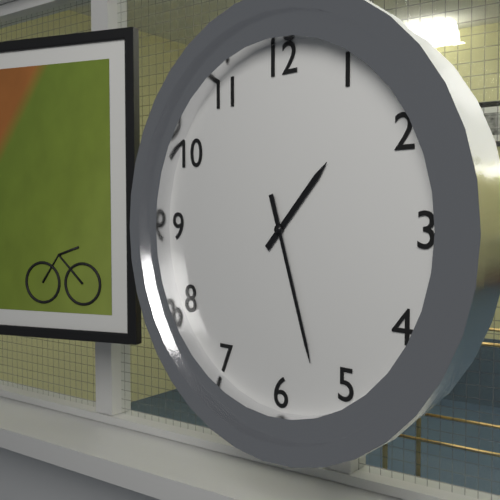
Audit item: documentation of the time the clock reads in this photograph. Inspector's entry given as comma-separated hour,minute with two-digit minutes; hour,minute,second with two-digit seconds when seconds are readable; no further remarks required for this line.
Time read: 1,27
